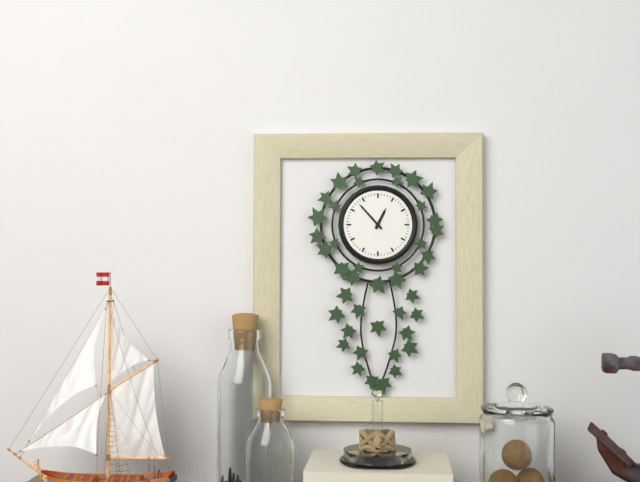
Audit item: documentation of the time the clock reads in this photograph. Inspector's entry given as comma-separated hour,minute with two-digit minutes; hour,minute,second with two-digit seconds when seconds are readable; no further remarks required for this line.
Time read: 12,53
